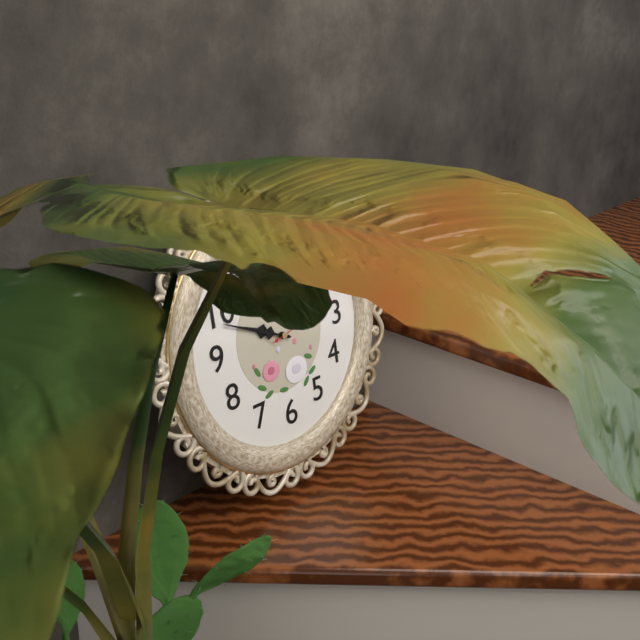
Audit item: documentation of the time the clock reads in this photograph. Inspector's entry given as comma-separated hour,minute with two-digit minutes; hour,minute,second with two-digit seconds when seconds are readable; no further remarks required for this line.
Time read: 9,49,13
